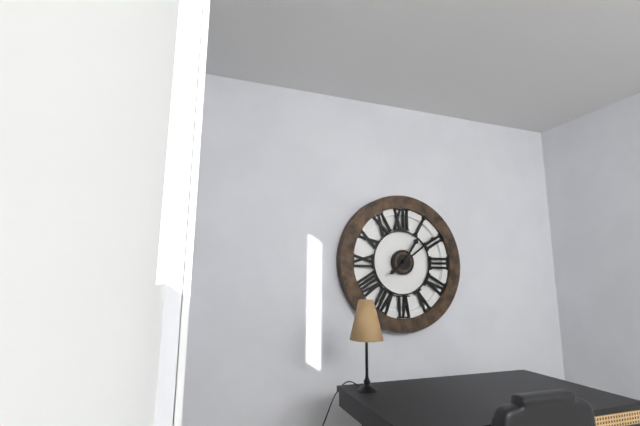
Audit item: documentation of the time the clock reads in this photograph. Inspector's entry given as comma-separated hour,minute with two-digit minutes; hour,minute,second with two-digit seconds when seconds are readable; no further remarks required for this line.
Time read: 1,09
